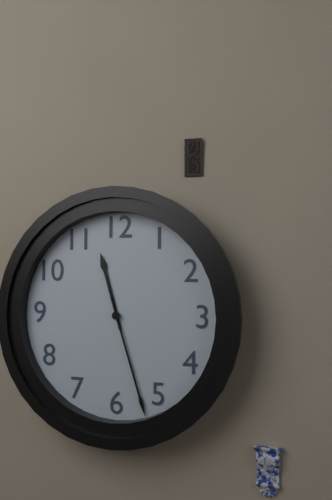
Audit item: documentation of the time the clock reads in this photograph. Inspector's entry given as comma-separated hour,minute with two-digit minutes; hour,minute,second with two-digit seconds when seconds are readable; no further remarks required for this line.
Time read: 11,27
